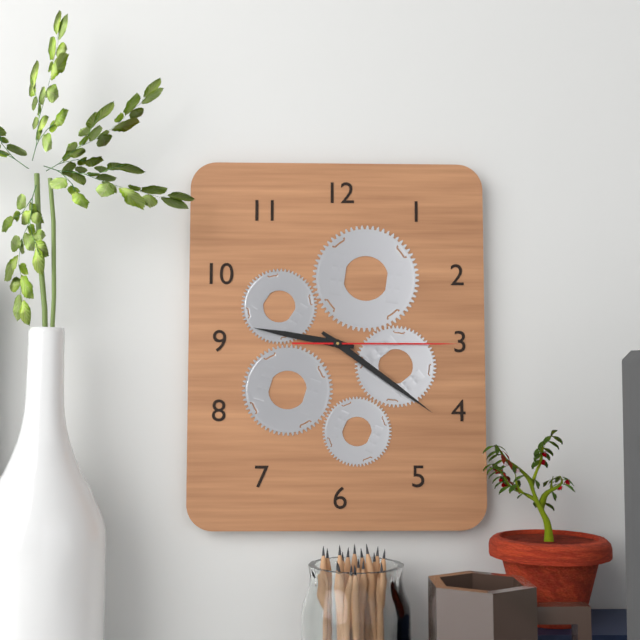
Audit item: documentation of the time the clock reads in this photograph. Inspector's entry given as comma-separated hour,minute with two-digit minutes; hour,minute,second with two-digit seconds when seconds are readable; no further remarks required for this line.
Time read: 9,21,15
